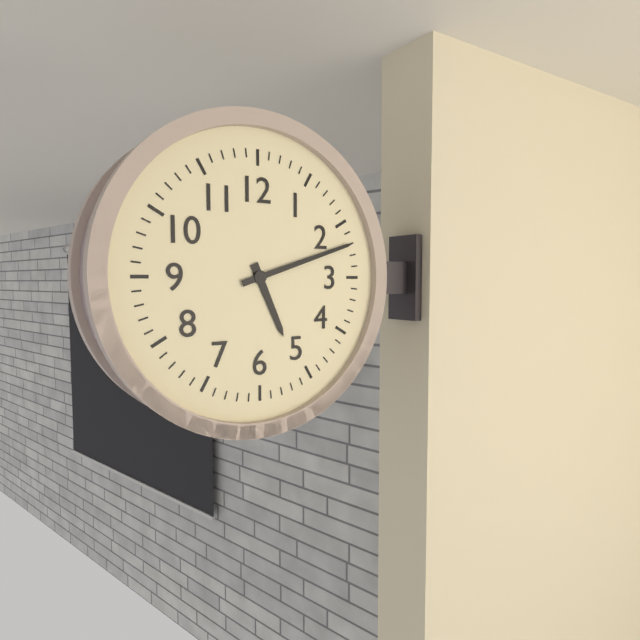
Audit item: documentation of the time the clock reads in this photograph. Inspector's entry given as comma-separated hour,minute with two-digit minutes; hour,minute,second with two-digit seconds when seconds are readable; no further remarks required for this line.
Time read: 5,12
